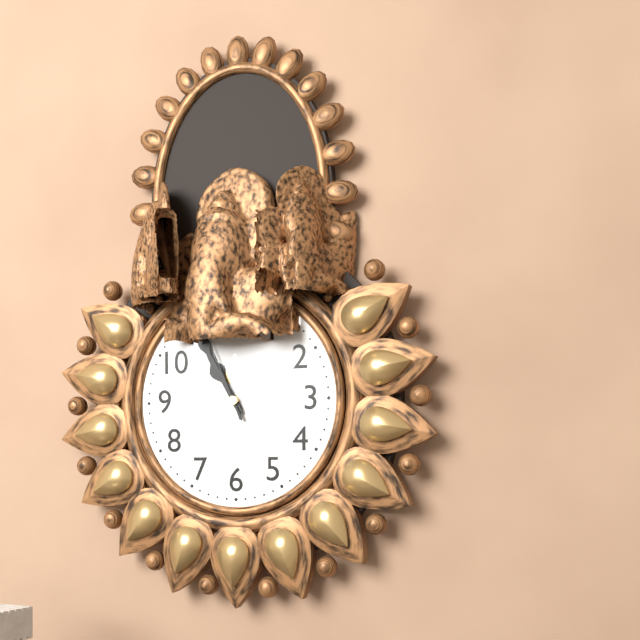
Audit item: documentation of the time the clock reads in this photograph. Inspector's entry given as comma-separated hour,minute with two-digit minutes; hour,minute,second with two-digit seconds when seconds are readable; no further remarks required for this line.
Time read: 10,55,56
